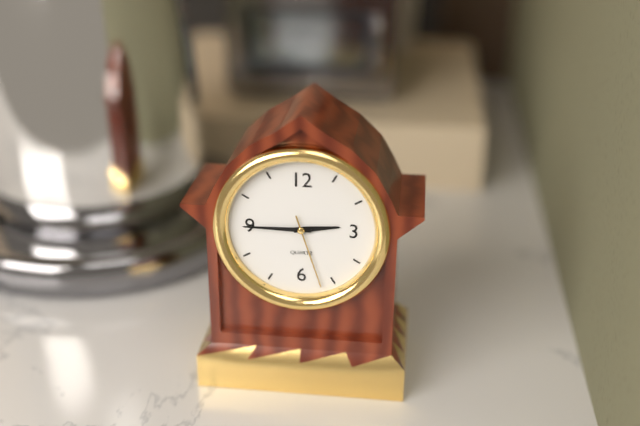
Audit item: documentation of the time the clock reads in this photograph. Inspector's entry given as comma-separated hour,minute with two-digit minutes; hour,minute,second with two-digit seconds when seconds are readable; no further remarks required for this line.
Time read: 2,45,27
